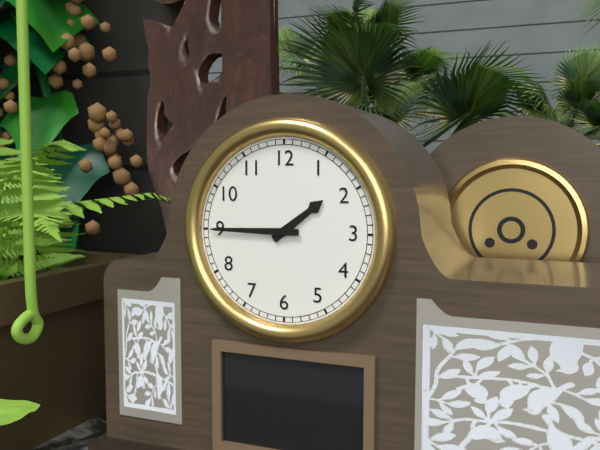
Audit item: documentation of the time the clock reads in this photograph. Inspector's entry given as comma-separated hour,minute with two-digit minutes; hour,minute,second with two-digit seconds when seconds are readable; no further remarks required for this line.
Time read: 1,45
